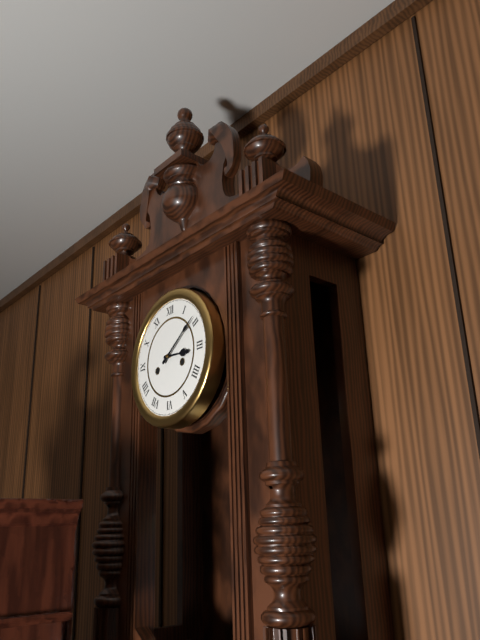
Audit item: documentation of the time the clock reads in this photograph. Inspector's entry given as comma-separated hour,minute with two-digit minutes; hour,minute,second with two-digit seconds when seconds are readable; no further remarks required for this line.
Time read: 3,09
